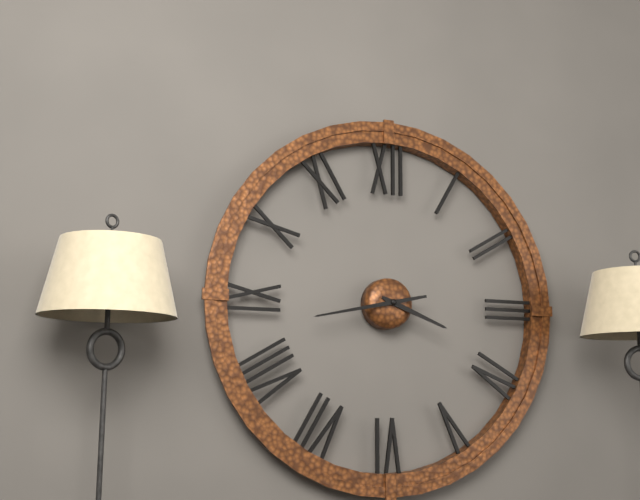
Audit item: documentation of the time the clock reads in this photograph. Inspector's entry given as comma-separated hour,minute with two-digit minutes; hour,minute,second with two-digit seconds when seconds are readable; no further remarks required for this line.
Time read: 3,43
